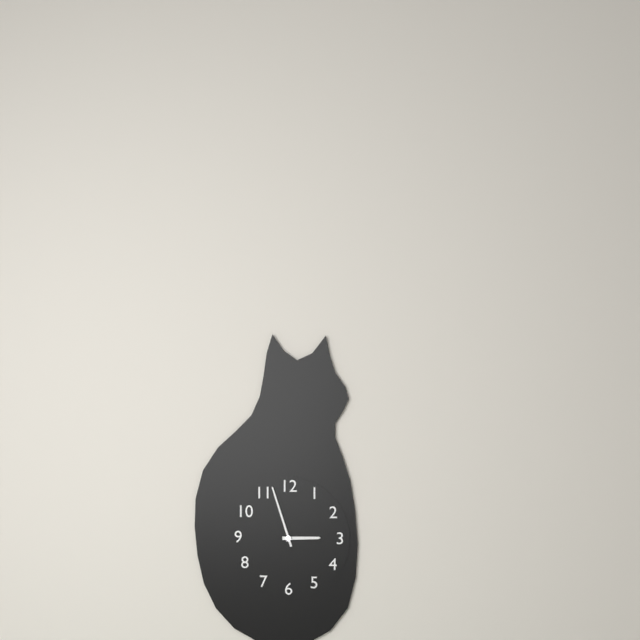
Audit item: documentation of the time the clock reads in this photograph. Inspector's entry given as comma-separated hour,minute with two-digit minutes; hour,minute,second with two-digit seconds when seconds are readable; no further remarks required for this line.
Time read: 2,57
